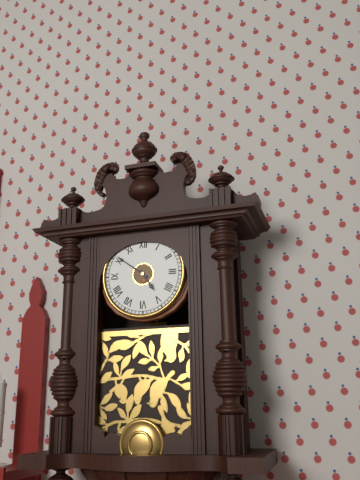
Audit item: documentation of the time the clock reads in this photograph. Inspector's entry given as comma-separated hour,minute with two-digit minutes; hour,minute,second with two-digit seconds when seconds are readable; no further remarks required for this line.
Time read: 4,51
